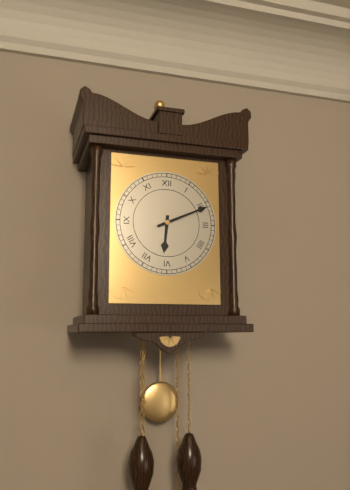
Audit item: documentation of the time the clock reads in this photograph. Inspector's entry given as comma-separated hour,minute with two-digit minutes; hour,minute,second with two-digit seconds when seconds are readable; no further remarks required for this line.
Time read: 6,11
